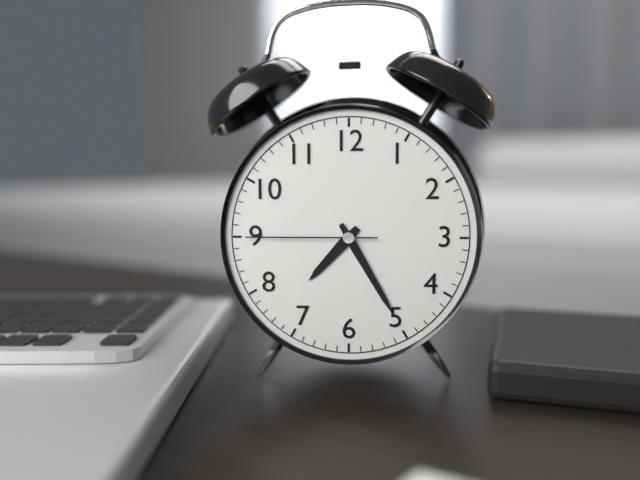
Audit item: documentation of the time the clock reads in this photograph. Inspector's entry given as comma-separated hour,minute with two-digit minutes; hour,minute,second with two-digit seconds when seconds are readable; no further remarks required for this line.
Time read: 7,25,45
